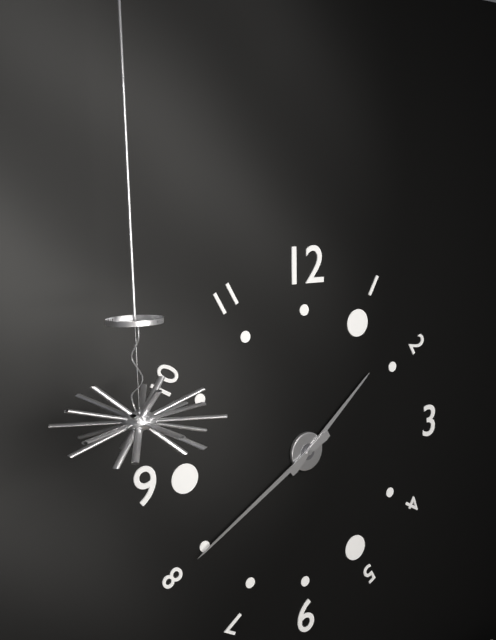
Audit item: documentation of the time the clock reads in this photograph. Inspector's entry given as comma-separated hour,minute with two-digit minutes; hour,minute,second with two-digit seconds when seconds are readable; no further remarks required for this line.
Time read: 1,40
